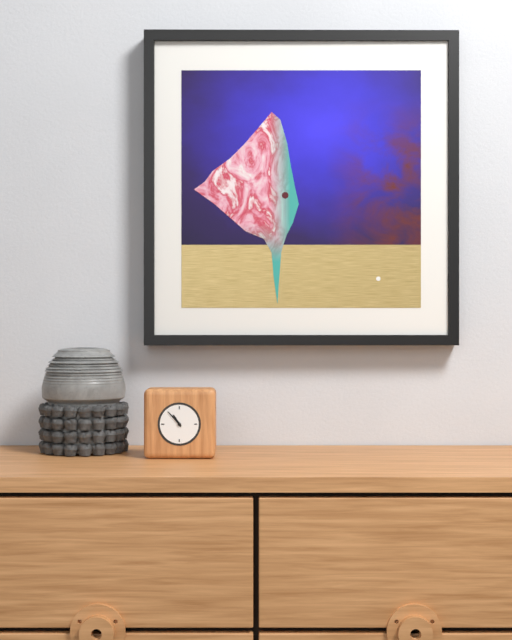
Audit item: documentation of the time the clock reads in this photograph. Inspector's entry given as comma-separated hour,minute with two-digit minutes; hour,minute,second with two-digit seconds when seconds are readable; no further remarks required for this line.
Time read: 10,53
